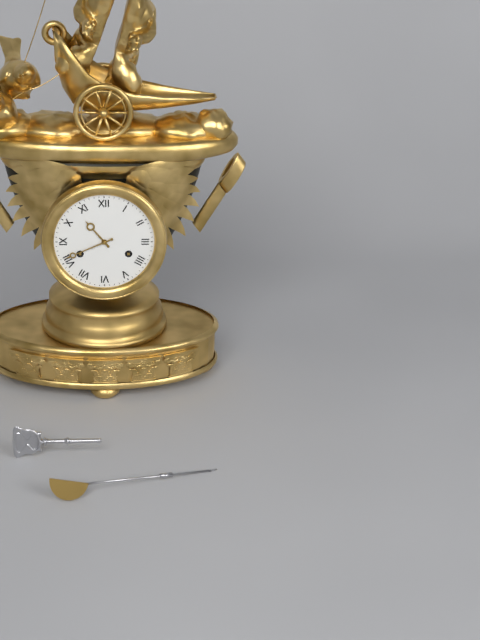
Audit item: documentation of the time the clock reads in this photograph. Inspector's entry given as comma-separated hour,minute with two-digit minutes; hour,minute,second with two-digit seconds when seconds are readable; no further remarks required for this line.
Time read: 10,41
